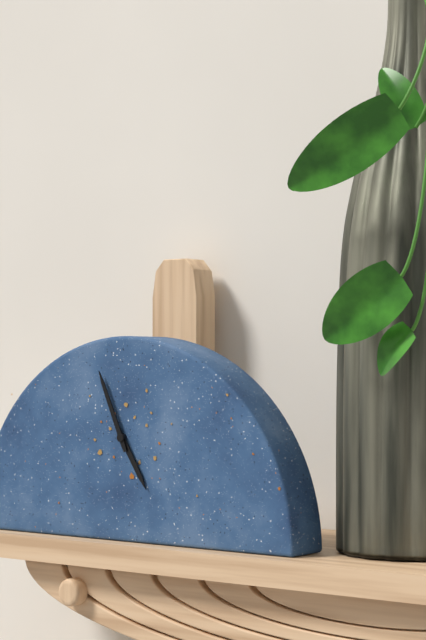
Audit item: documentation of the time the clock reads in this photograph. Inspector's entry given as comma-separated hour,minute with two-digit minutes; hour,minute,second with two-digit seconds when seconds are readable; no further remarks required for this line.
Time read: 4,56
